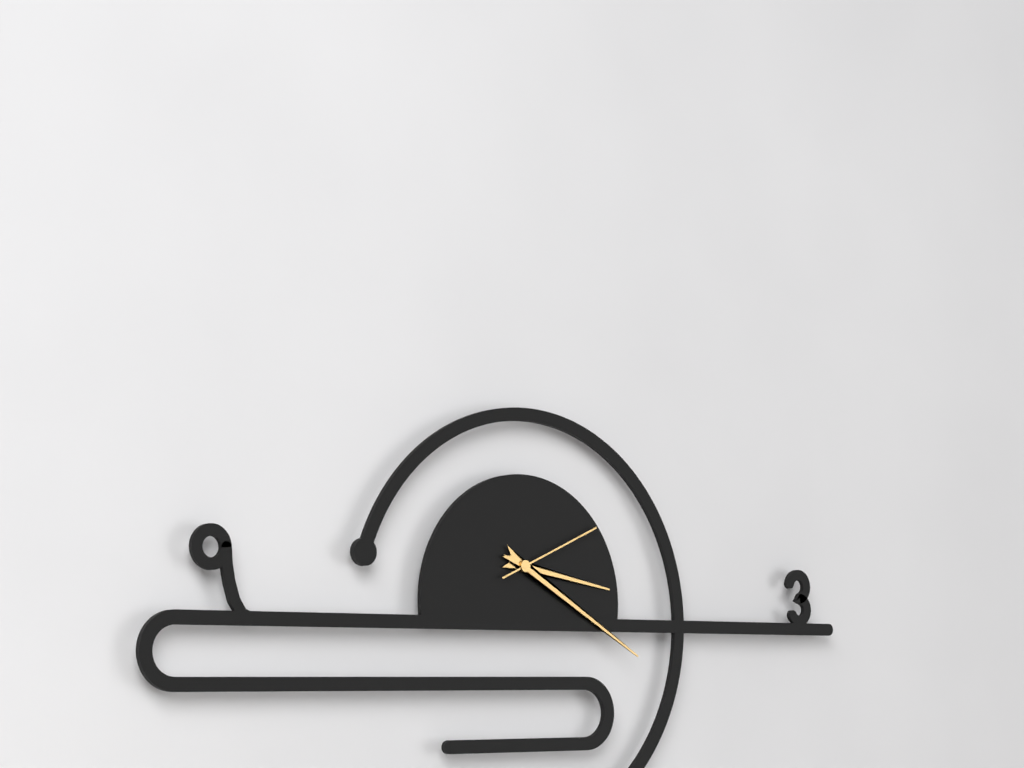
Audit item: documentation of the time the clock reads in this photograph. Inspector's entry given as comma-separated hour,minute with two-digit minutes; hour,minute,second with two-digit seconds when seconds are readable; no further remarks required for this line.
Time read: 3,20,11
